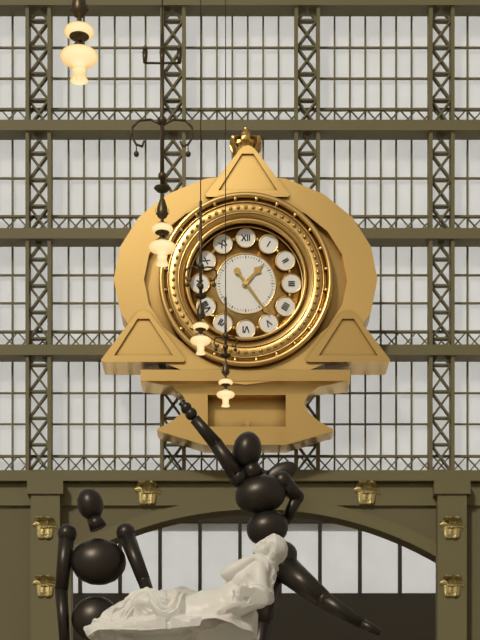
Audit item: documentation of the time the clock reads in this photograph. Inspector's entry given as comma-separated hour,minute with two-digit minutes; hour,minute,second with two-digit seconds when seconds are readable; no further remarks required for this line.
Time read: 1,24
